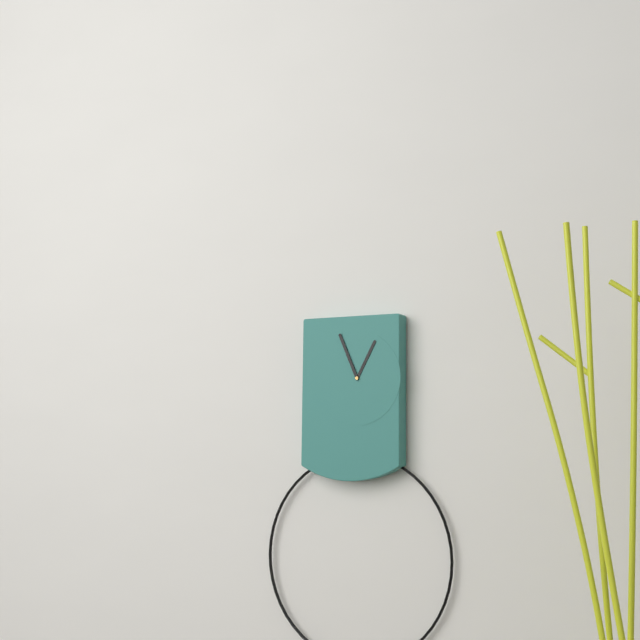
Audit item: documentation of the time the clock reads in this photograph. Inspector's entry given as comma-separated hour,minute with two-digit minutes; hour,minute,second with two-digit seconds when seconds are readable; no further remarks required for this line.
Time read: 12,56
